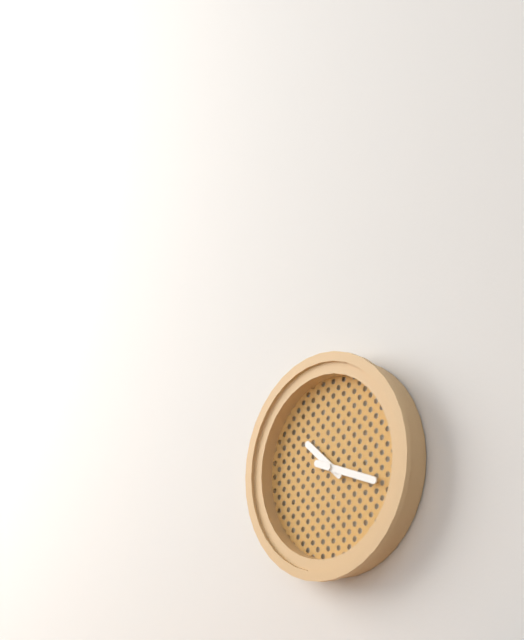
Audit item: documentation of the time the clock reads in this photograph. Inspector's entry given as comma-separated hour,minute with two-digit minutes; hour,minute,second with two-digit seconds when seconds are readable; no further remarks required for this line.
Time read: 10,18
